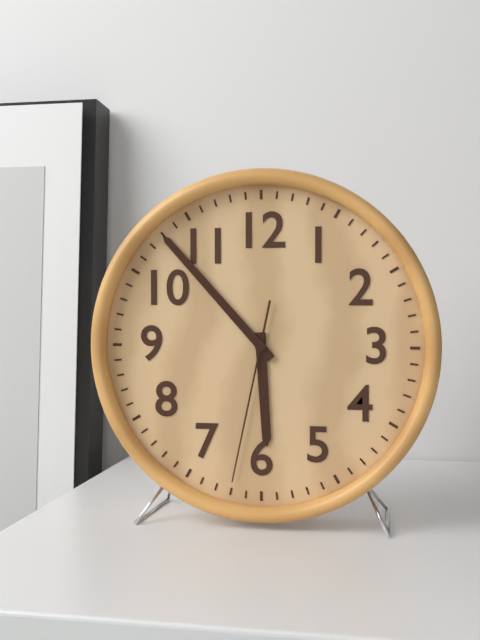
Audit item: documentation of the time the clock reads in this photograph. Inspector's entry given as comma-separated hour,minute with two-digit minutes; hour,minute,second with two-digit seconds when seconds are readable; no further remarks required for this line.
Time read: 5,53,32
